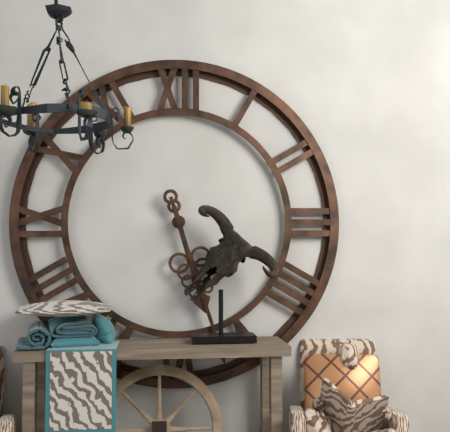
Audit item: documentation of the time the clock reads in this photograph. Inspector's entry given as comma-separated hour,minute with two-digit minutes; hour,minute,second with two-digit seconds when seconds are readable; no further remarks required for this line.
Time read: 5,27
